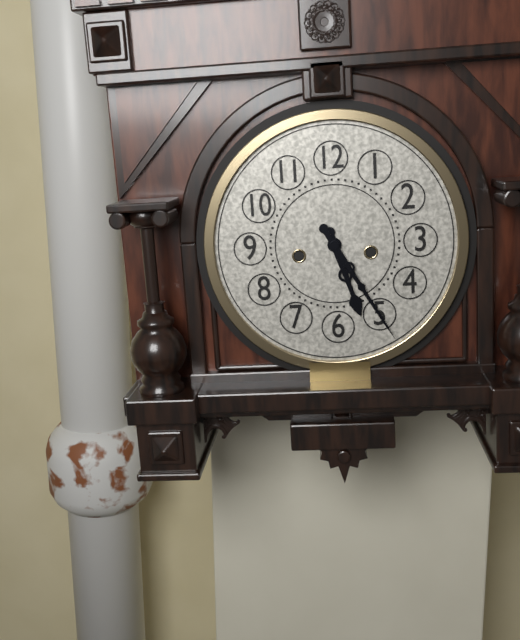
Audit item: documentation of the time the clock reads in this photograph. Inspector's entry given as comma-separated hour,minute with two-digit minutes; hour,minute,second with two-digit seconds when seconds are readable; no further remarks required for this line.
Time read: 5,25
